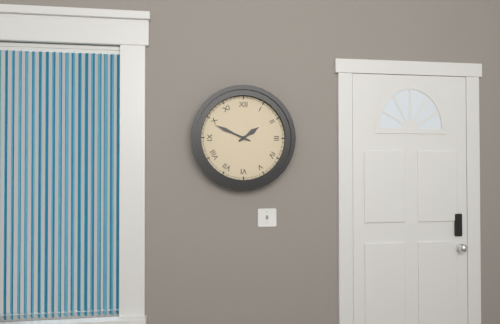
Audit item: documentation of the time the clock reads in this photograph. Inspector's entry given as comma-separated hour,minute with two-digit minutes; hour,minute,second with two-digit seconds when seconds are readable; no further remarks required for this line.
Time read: 1,49
